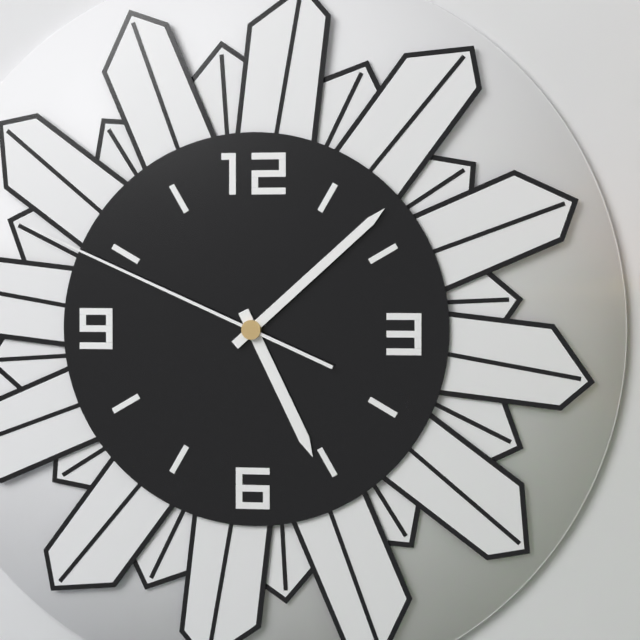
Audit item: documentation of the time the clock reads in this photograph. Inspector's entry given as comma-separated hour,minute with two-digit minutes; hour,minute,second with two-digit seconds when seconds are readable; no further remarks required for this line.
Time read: 5,08,49
